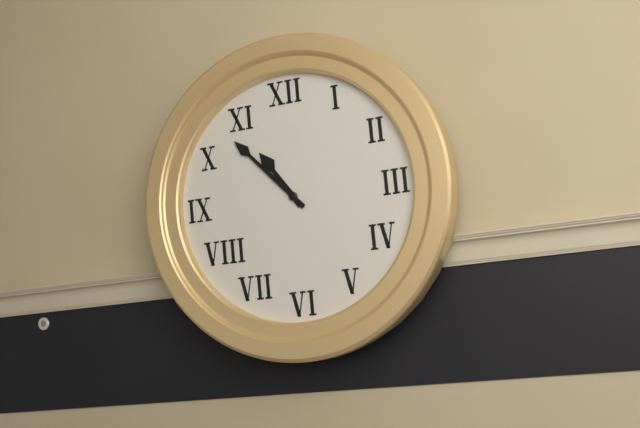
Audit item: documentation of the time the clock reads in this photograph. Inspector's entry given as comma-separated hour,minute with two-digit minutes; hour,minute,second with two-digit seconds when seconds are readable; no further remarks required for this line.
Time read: 10,53
